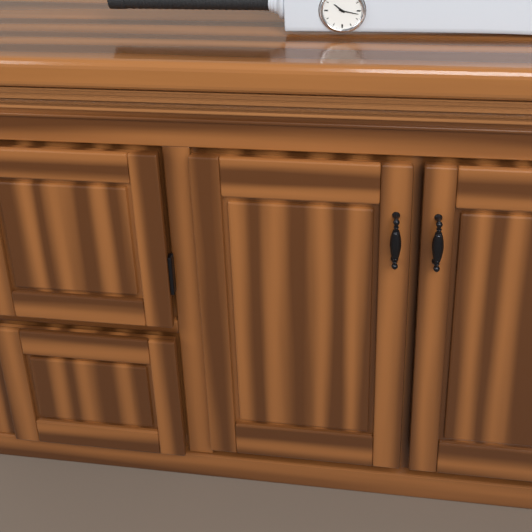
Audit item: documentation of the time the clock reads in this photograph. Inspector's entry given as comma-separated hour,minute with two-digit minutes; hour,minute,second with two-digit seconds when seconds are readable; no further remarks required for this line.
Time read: 10,17
